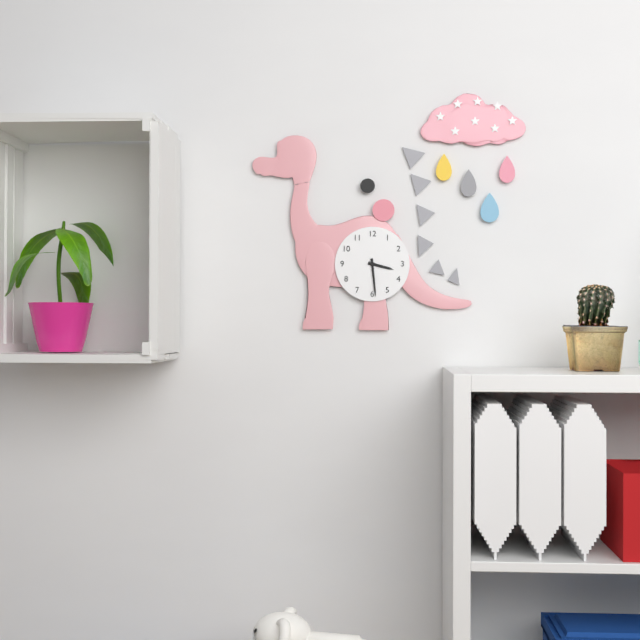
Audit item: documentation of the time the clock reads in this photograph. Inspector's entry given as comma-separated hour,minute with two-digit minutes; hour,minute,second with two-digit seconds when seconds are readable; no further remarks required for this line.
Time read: 3,29
